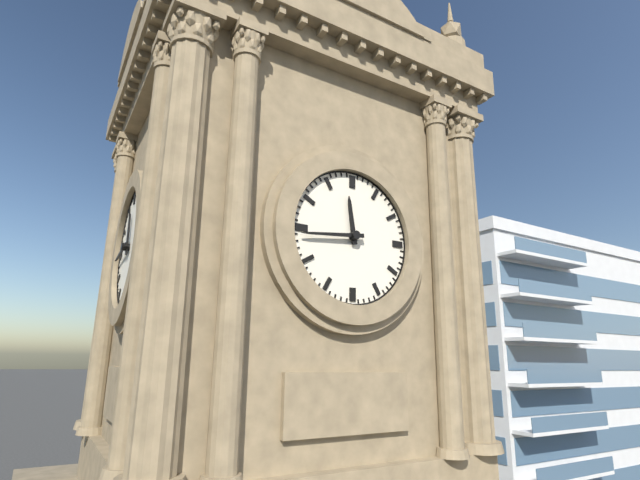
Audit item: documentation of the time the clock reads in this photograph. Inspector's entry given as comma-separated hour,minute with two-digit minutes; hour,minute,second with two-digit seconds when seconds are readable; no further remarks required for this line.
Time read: 11,44
